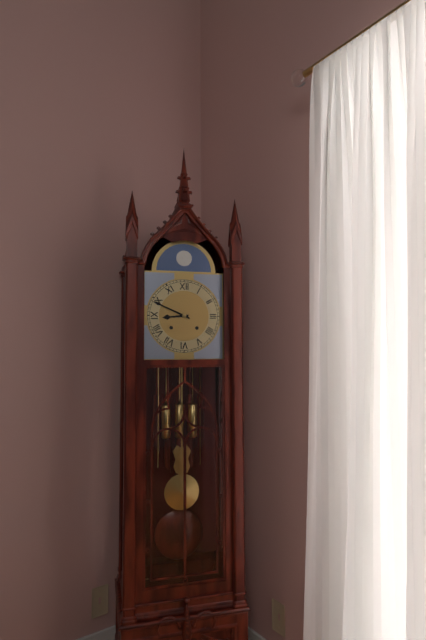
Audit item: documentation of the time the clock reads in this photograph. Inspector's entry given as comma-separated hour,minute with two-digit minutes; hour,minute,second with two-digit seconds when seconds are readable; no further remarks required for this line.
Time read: 8,49
